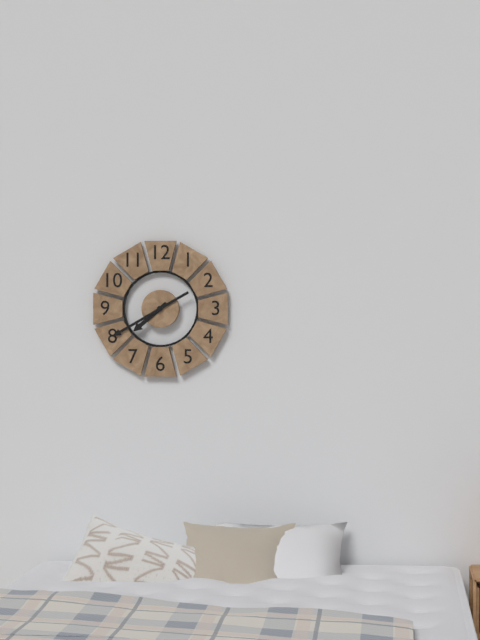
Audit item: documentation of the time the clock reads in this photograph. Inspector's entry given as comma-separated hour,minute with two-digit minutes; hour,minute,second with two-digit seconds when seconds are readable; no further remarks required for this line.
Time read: 7,40
